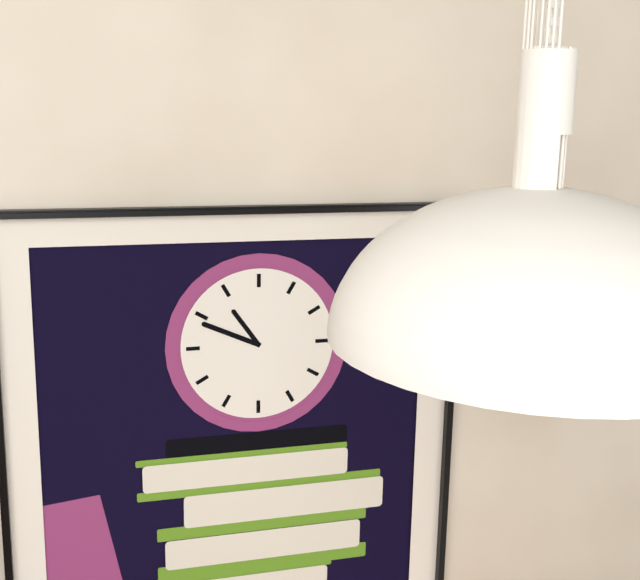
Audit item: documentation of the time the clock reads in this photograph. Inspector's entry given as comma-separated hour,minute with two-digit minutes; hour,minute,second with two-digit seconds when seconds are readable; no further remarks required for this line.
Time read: 10,49
